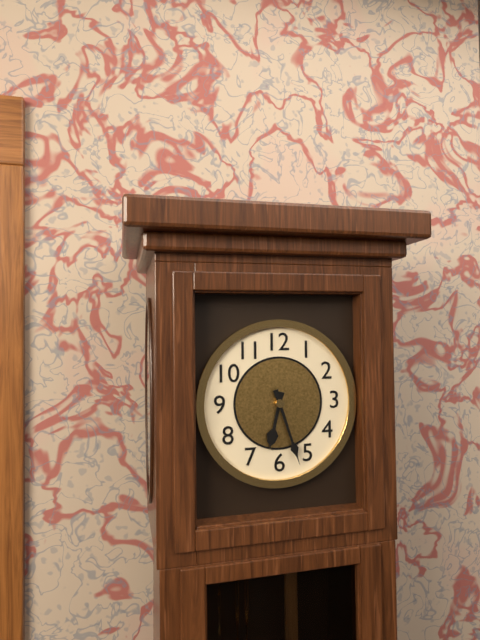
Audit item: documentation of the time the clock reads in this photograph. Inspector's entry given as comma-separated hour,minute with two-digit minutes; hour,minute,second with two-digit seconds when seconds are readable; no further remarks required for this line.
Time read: 6,27
